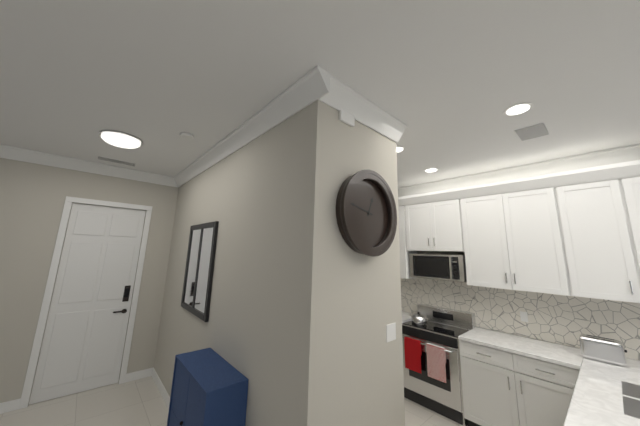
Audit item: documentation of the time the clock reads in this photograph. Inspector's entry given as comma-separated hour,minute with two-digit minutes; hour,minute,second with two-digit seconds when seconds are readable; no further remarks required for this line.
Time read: 12,47
